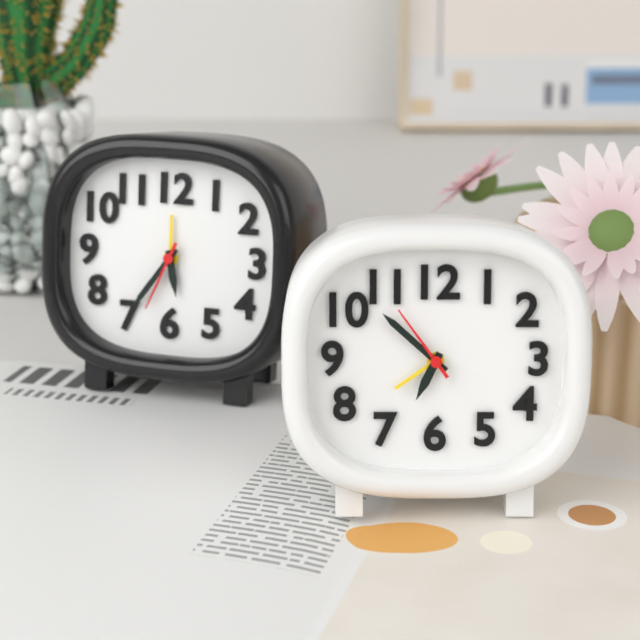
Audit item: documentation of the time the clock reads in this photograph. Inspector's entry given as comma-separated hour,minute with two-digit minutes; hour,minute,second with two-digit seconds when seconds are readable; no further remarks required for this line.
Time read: 6,52,54
